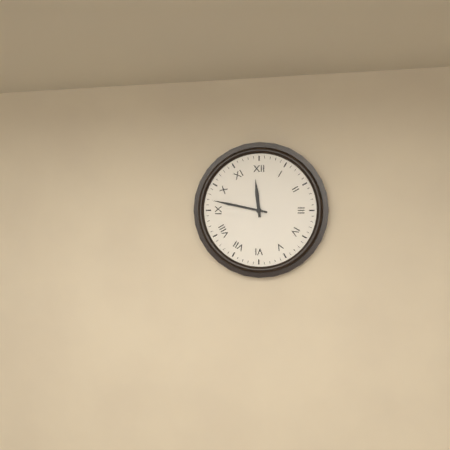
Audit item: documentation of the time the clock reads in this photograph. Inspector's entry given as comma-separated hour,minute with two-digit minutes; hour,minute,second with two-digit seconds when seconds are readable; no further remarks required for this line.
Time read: 11,47
